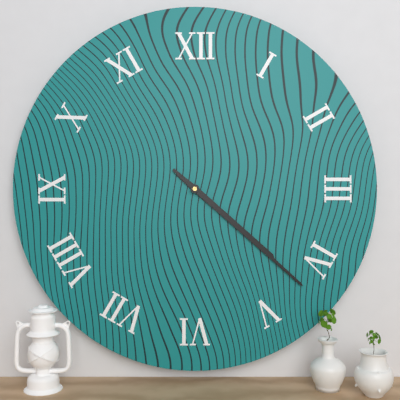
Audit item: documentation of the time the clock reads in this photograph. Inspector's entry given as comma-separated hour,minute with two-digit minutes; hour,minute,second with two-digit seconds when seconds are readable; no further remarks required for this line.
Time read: 4,22
